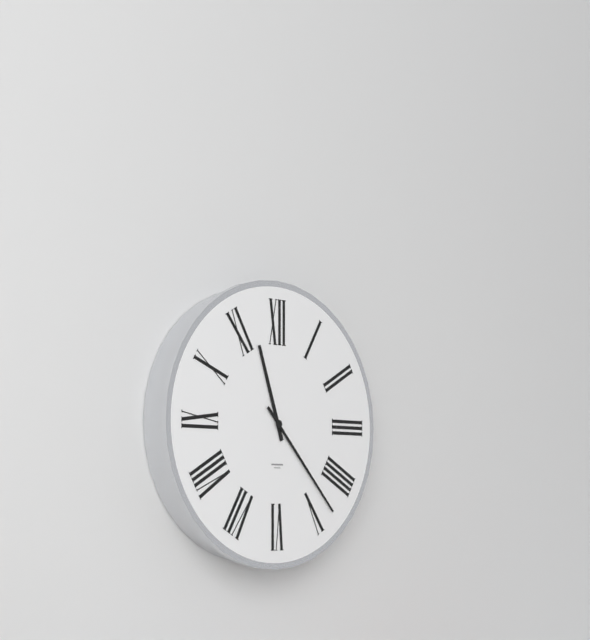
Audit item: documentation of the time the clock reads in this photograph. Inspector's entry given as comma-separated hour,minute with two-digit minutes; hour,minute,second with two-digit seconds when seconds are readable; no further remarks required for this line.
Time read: 11,23
